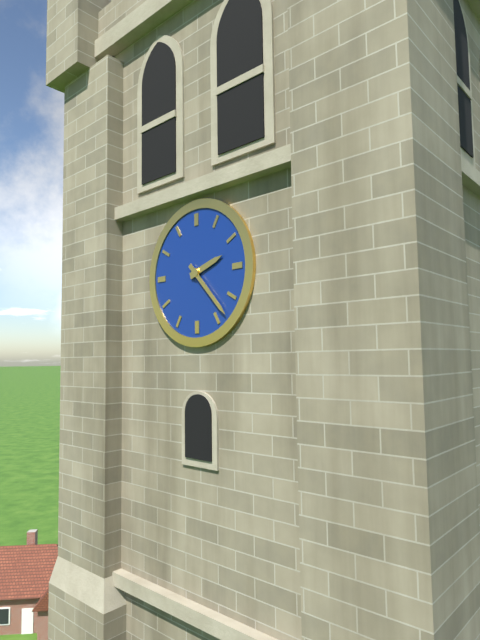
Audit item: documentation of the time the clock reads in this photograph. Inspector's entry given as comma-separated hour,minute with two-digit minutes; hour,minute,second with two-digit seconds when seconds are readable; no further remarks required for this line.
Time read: 2,23
